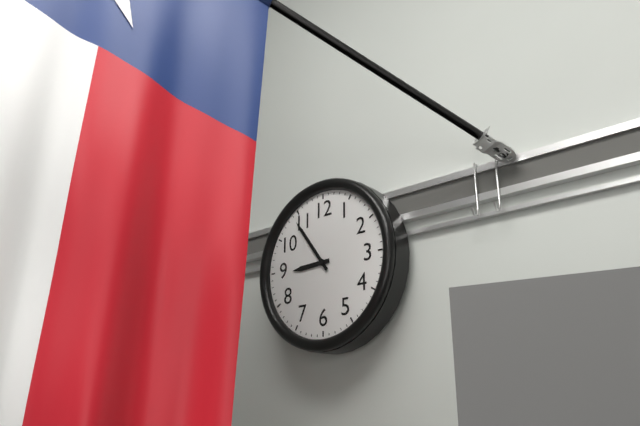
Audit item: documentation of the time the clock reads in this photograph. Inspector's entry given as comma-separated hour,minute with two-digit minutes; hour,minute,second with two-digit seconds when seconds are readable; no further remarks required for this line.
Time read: 8,54
